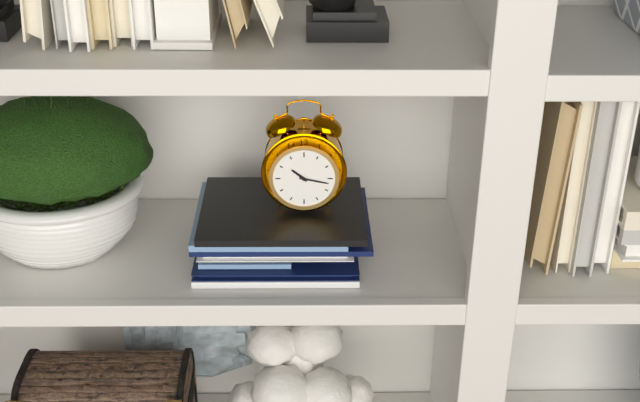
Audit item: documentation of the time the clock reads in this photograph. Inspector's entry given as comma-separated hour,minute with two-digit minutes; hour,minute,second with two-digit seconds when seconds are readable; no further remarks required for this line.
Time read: 10,17
